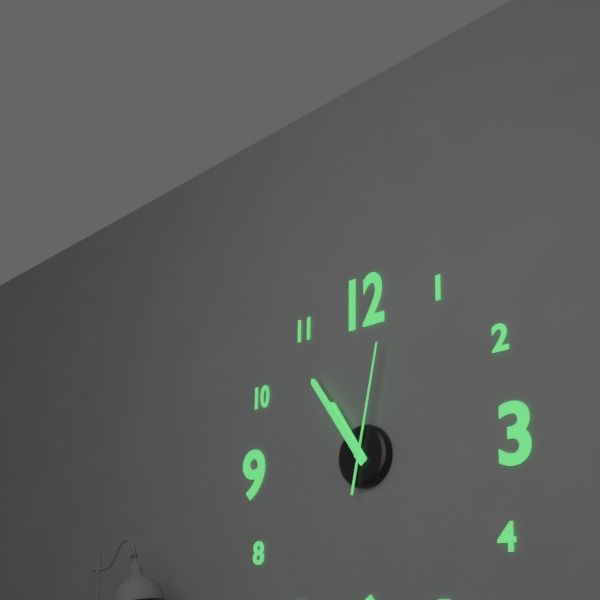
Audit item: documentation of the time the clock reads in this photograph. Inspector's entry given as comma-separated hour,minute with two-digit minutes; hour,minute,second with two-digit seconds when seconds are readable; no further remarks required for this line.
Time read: 10,54,02
